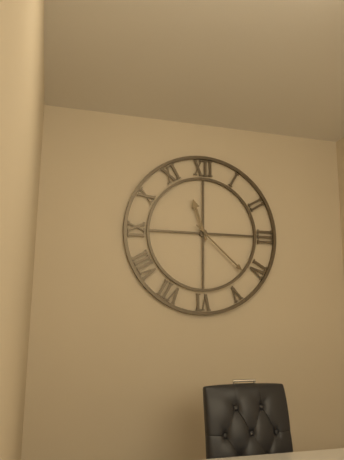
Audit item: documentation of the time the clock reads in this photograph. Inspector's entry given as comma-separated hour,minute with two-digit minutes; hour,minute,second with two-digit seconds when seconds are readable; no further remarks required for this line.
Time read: 11,22
